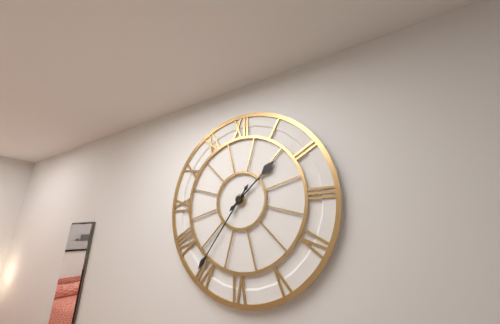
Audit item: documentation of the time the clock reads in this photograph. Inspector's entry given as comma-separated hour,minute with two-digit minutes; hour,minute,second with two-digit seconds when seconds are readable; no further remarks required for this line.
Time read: 1,36
